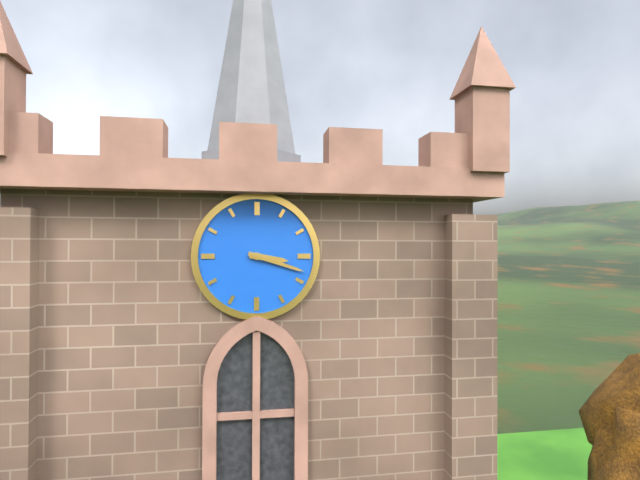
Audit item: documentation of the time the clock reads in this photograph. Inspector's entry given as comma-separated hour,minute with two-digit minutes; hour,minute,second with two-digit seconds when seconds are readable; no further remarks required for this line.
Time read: 3,18
